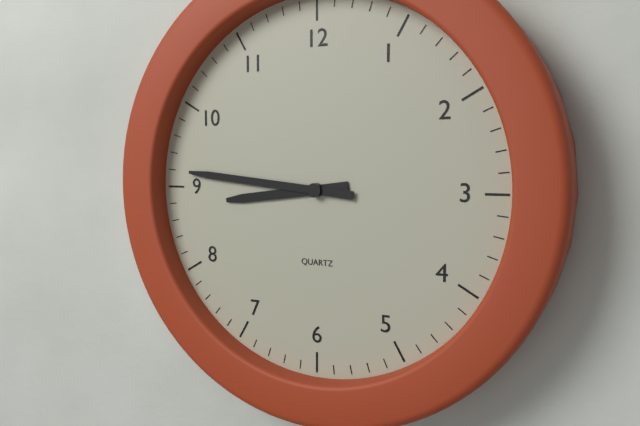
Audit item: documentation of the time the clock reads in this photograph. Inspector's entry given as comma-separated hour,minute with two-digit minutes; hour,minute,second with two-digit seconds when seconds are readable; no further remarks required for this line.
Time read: 8,46
